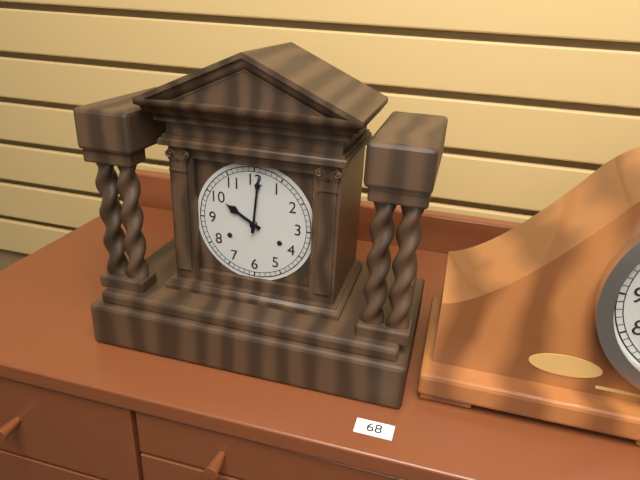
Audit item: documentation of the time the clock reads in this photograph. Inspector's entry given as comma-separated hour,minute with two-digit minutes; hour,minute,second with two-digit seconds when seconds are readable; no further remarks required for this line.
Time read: 10,01
